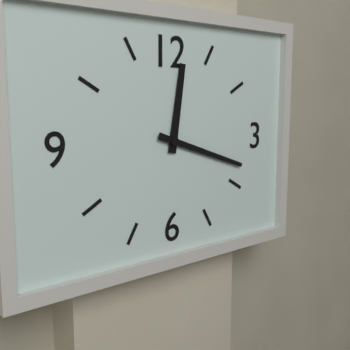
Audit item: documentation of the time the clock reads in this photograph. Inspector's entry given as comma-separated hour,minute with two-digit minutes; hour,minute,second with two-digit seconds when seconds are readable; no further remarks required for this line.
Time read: 12,18
